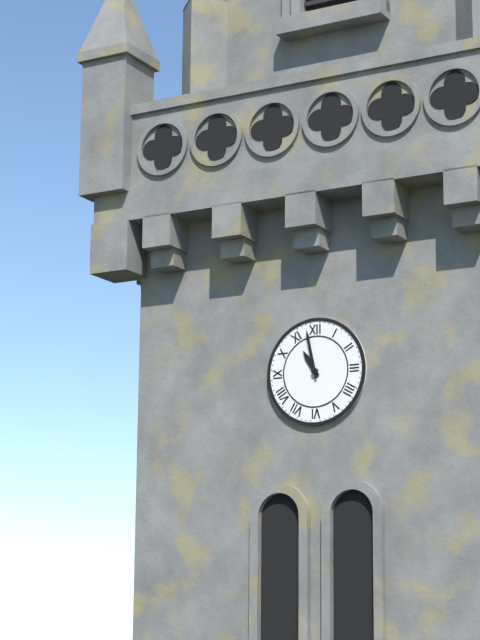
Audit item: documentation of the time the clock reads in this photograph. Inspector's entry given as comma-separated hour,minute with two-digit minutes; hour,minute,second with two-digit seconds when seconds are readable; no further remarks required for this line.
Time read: 10,58
